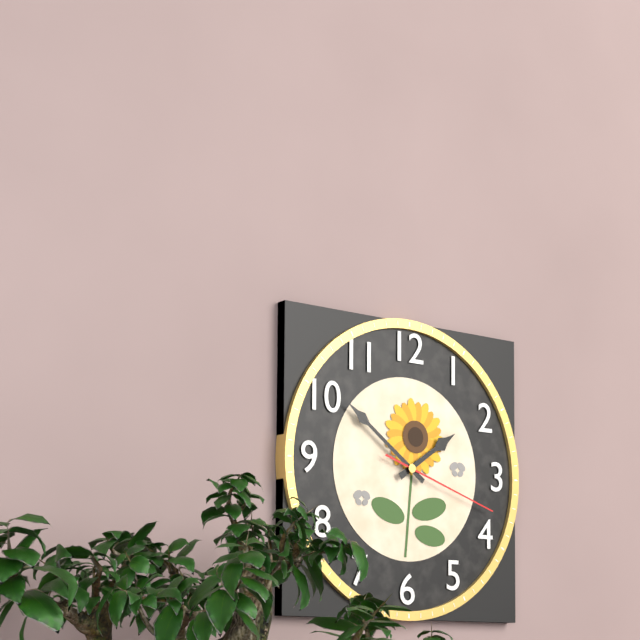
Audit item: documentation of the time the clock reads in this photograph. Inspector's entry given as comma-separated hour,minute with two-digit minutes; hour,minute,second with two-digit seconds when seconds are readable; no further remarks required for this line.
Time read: 1,51,18
